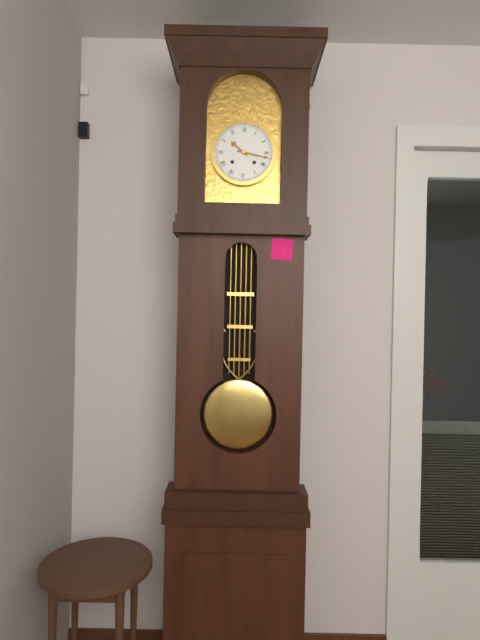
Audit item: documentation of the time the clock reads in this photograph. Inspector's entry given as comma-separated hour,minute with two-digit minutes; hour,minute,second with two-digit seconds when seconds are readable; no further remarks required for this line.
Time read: 10,17
